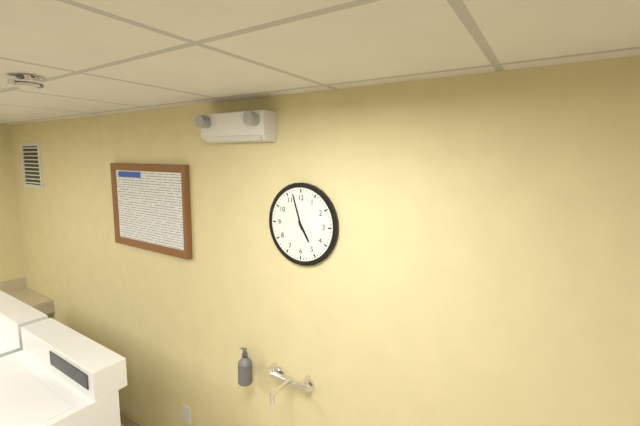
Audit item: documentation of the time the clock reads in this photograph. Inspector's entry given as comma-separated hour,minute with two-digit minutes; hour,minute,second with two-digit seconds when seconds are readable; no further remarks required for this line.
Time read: 4,57
